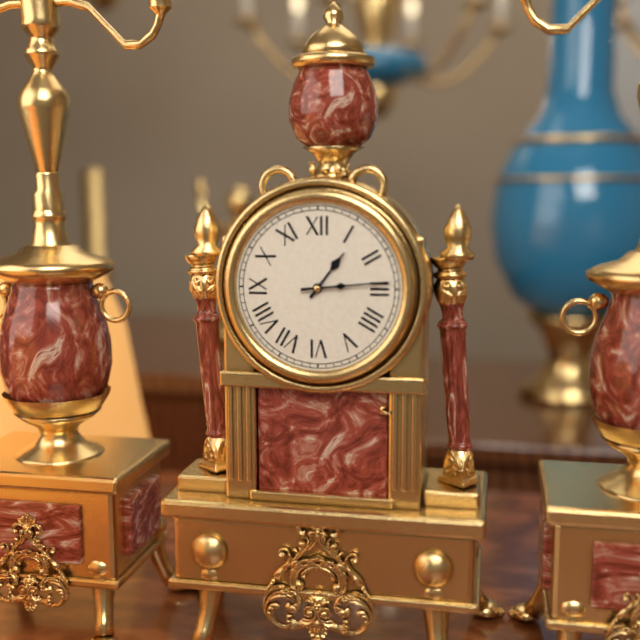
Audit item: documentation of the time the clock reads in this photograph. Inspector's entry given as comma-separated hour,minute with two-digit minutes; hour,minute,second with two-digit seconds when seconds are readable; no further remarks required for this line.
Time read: 1,14
